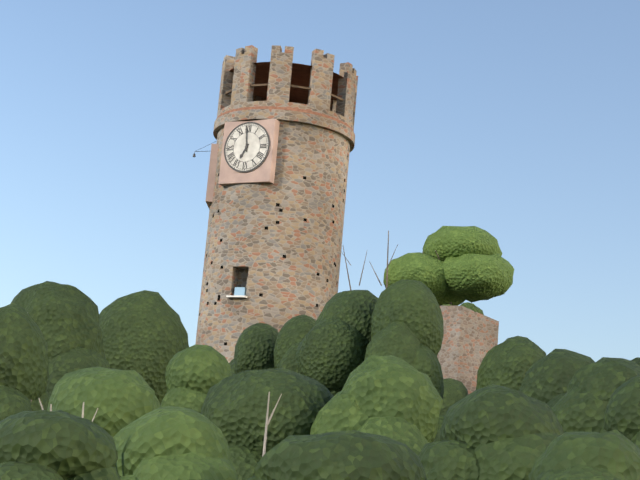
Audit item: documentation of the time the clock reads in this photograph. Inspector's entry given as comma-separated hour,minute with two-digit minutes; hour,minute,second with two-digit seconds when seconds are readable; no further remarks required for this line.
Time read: 6,59
